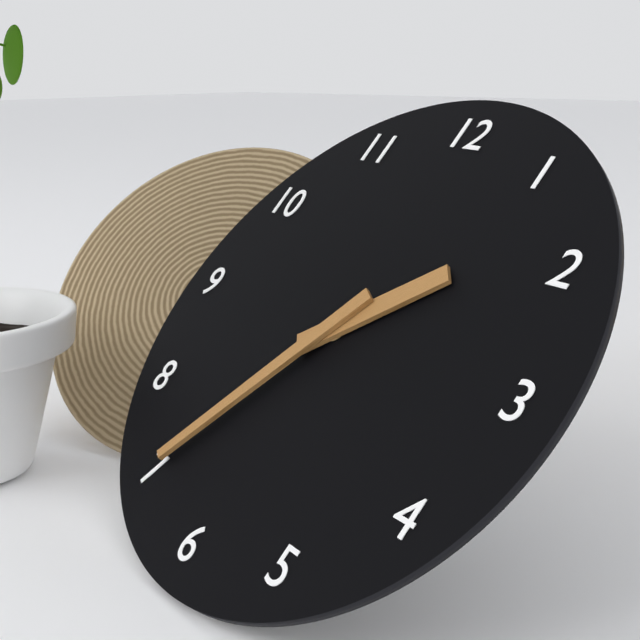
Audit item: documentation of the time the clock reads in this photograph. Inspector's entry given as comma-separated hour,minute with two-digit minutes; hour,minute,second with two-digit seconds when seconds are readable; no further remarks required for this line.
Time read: 1,35
